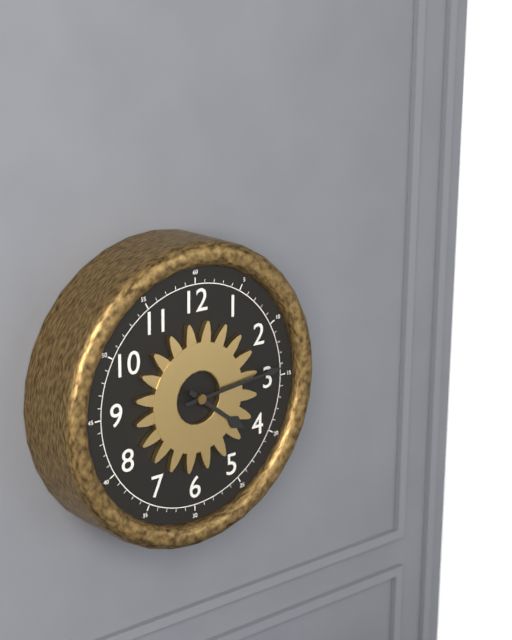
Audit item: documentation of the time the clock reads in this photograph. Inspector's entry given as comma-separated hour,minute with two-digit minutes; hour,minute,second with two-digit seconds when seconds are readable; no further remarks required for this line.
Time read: 4,14
